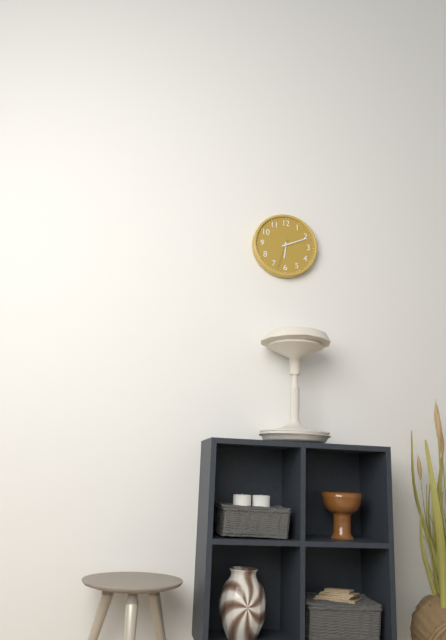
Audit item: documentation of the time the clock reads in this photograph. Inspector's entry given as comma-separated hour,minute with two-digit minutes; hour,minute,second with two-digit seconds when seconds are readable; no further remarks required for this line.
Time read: 6,11
